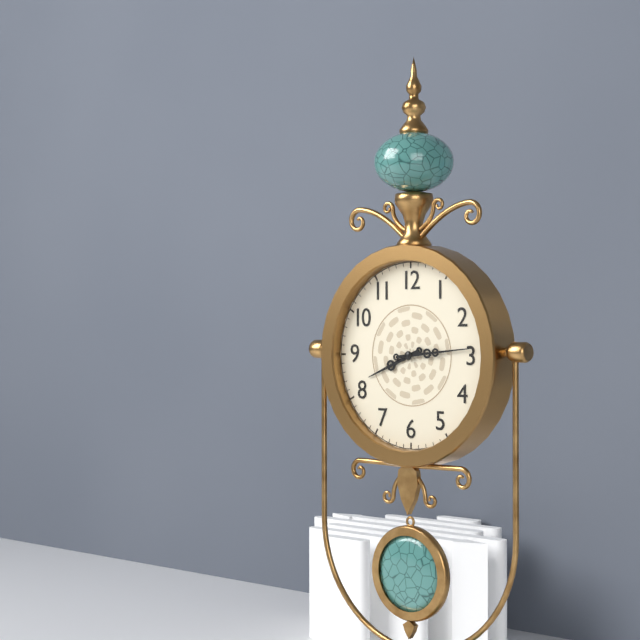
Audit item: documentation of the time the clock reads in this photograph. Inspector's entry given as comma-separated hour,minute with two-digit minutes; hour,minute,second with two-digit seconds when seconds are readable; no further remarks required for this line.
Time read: 8,14
